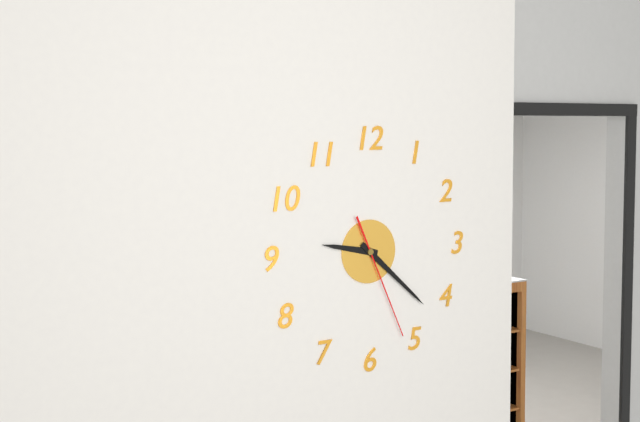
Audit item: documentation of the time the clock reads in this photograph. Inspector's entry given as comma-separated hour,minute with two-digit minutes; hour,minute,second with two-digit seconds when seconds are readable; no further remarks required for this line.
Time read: 9,22,26
